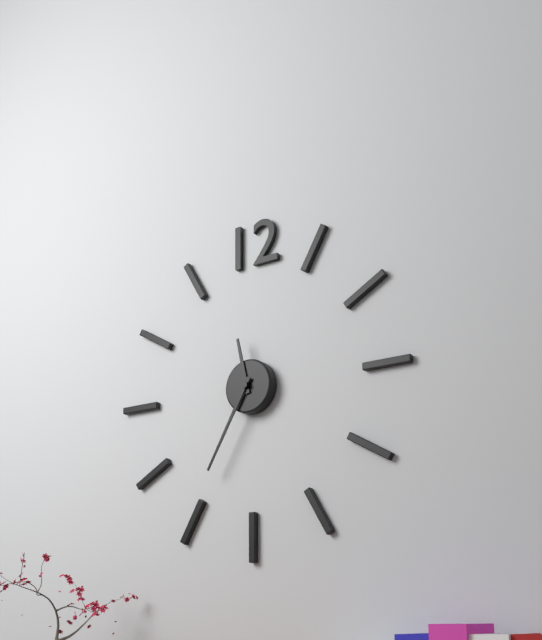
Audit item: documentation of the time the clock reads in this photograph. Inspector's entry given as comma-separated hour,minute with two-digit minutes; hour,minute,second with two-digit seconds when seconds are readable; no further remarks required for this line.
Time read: 11,35
